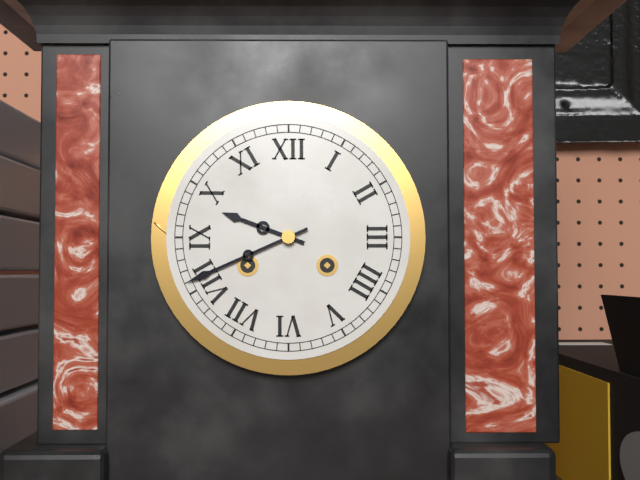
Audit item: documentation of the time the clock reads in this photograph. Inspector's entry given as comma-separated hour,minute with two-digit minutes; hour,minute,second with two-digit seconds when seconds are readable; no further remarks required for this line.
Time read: 9,41
